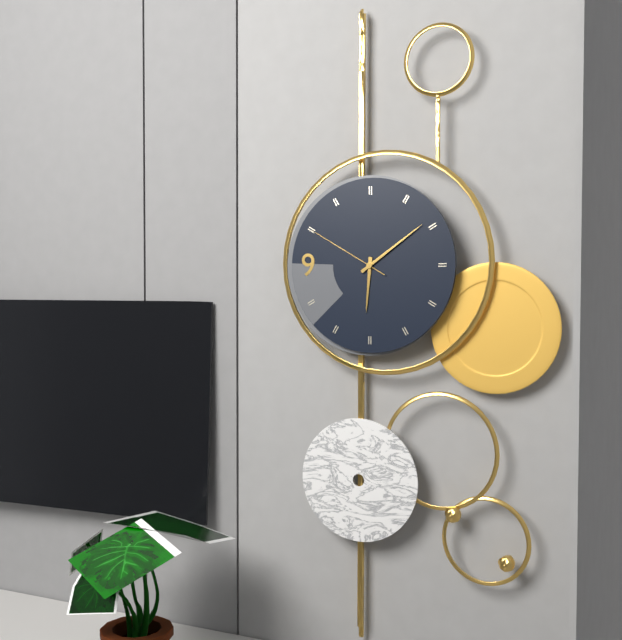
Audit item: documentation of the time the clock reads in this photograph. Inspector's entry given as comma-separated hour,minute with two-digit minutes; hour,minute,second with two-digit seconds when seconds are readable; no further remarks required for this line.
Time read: 6,09,50
